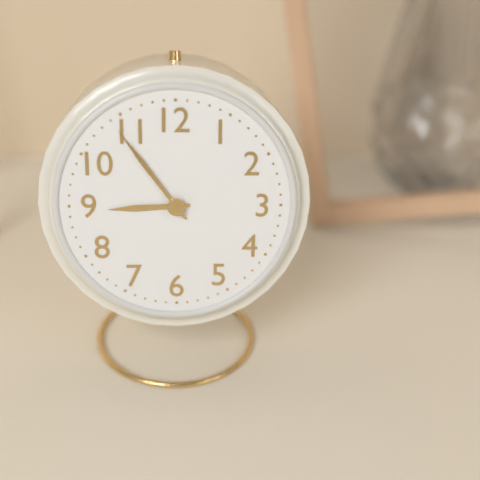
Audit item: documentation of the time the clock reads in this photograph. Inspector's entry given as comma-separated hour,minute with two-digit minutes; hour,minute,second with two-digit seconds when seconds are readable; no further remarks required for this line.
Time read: 8,54
